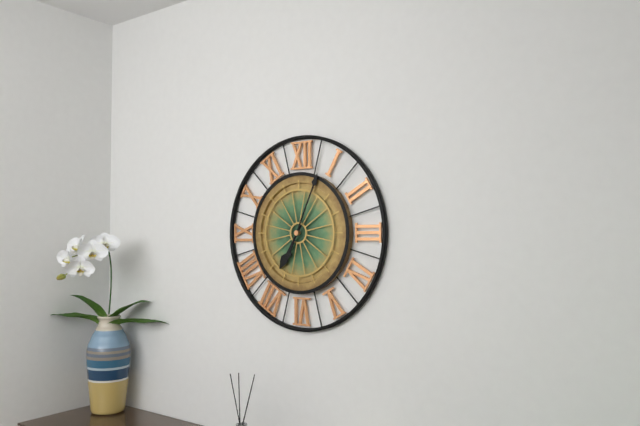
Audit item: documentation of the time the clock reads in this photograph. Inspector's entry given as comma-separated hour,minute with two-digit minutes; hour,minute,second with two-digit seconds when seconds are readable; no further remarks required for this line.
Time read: 7,04
